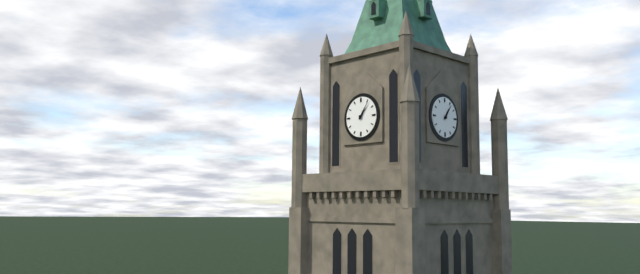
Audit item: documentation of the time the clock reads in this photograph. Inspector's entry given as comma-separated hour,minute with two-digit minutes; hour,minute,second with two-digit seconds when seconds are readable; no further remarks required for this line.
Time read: 1,06
